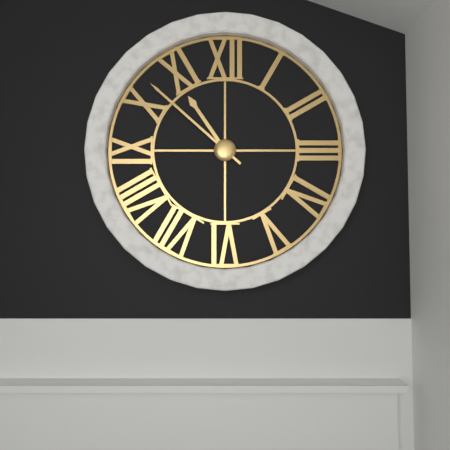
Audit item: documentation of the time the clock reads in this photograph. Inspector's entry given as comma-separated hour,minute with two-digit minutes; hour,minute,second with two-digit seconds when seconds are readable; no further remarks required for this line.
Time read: 10,52
